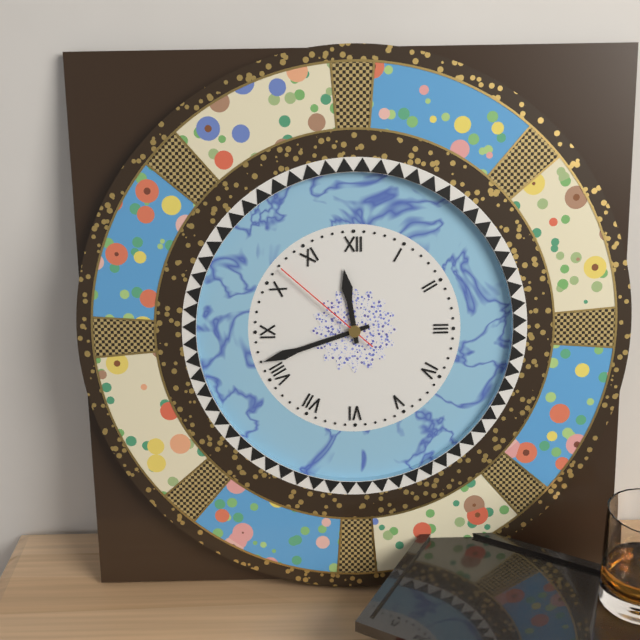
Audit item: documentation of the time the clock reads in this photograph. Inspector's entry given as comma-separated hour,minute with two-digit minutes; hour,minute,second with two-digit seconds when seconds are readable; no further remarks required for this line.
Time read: 11,42,52
